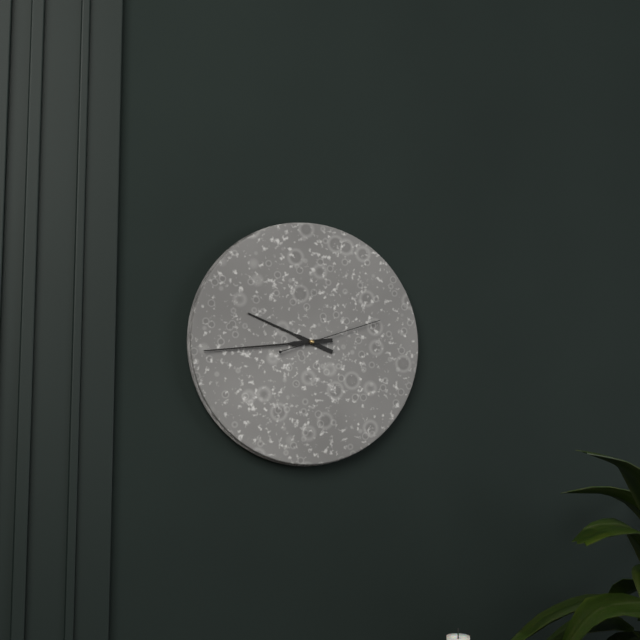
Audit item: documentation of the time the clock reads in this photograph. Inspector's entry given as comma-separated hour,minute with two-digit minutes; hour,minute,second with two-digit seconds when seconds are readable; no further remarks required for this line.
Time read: 9,44,12
